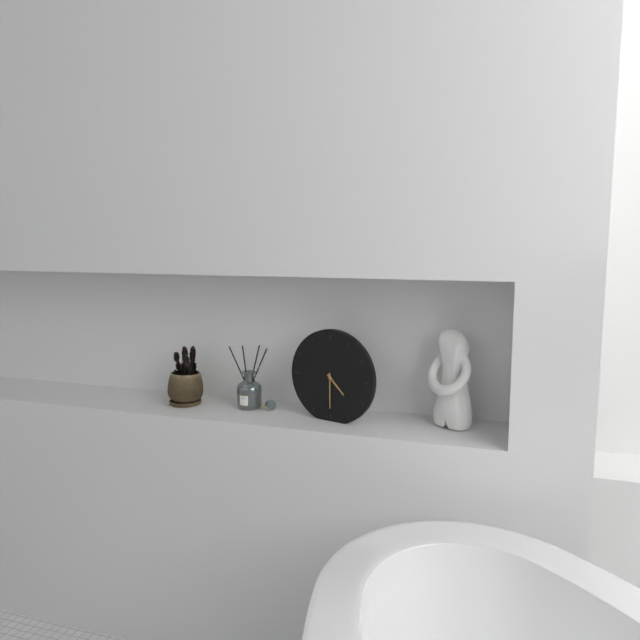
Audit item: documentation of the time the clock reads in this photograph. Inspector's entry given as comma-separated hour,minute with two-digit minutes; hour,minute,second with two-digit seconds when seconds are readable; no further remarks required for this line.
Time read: 4,30
